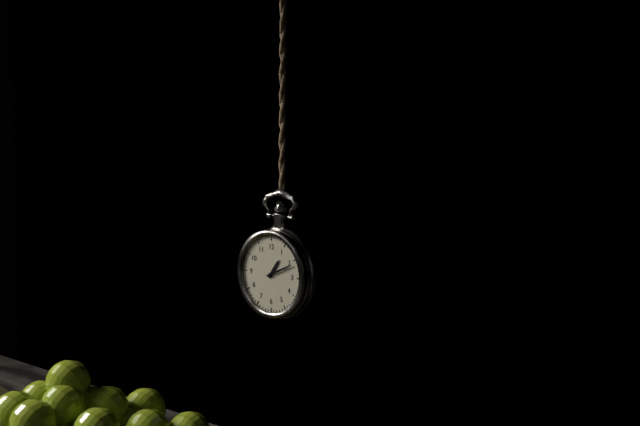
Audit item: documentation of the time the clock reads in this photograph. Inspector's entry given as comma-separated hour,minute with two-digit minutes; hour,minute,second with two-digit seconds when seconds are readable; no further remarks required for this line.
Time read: 1,11
